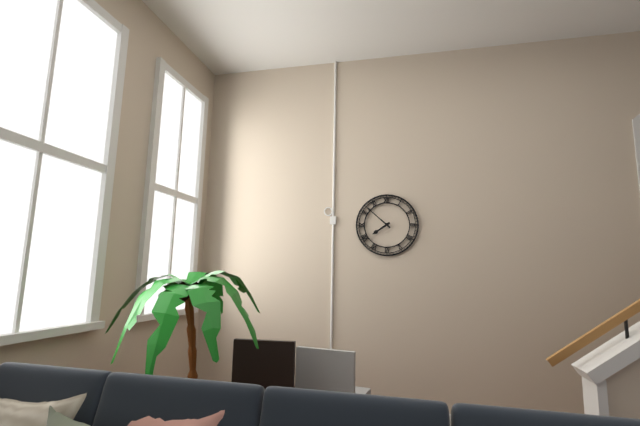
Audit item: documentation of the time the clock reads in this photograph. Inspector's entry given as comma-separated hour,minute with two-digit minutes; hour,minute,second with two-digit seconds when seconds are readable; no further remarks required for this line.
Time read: 7,52
